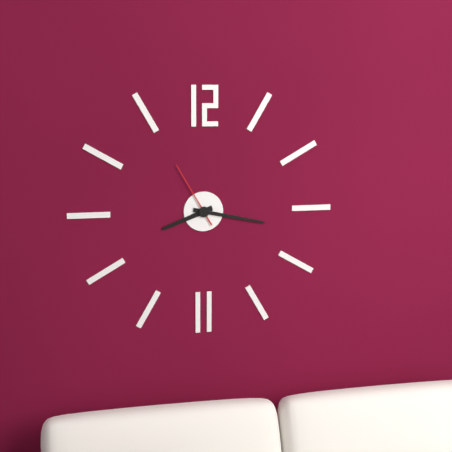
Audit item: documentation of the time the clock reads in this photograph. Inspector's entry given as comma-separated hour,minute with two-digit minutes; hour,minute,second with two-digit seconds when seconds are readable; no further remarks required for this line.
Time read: 8,17,55
